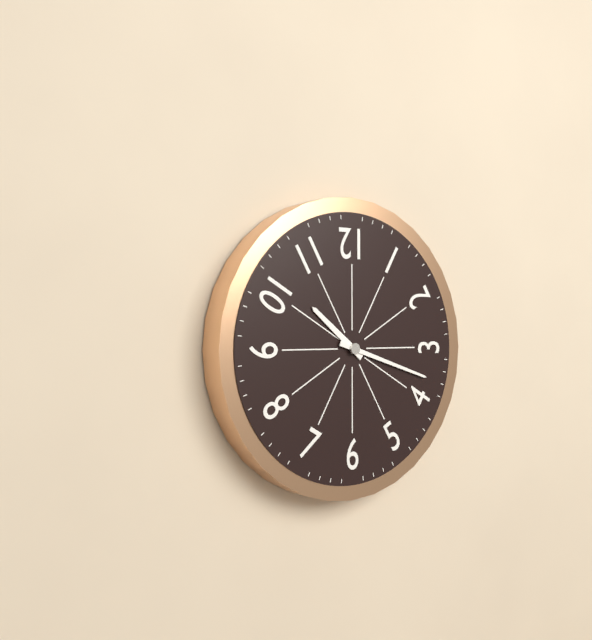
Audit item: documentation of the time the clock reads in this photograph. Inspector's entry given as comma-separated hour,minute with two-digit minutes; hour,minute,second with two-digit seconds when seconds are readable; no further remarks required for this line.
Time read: 10,18
